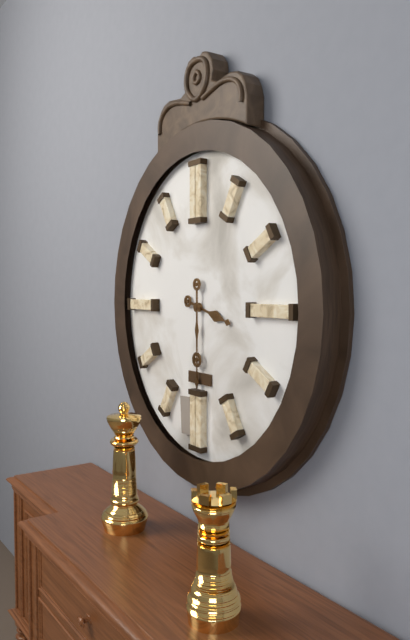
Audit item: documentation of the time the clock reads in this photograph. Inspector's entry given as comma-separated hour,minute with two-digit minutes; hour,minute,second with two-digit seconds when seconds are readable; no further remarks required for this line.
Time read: 3,30
